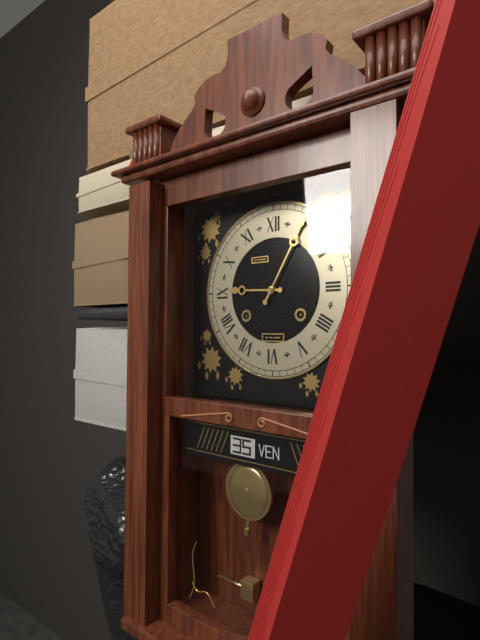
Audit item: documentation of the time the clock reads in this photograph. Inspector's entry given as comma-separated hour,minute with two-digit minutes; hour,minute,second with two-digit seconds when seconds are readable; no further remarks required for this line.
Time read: 9,05
